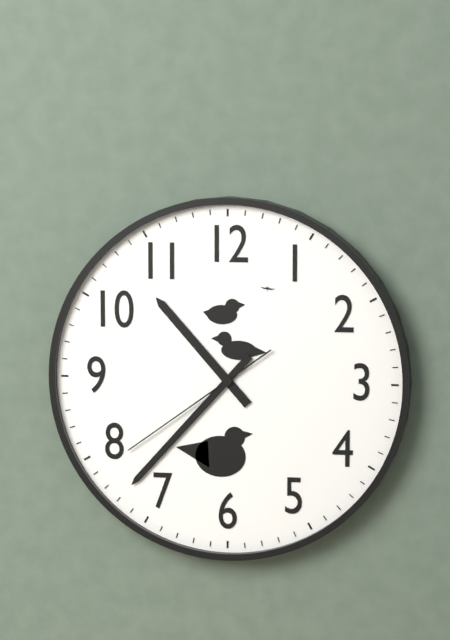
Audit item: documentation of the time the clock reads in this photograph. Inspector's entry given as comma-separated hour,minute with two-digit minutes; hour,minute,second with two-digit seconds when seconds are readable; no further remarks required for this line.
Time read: 10,37,39
